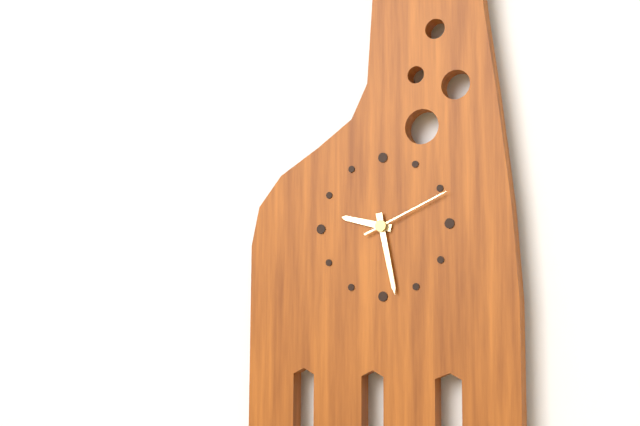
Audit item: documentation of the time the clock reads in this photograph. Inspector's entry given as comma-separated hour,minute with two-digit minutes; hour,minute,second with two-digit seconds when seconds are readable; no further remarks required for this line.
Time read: 9,28,11
